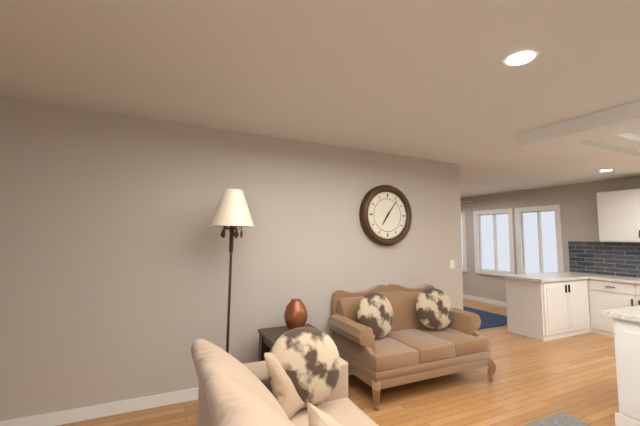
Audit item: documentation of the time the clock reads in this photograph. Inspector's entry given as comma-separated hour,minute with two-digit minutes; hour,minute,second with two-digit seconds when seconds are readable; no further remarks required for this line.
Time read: 7,06
